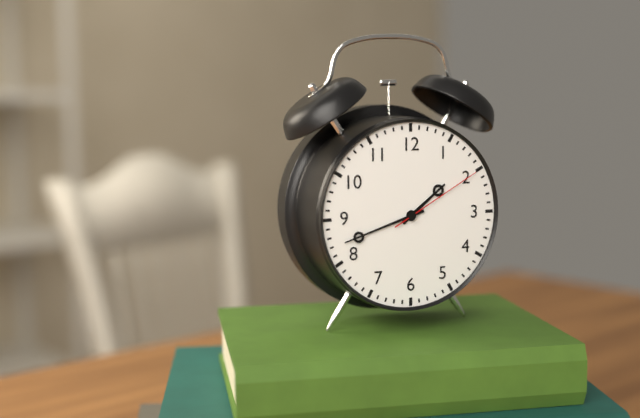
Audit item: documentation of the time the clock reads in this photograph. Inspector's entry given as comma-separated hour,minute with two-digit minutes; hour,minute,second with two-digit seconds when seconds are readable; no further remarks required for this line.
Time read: 1,42,10
